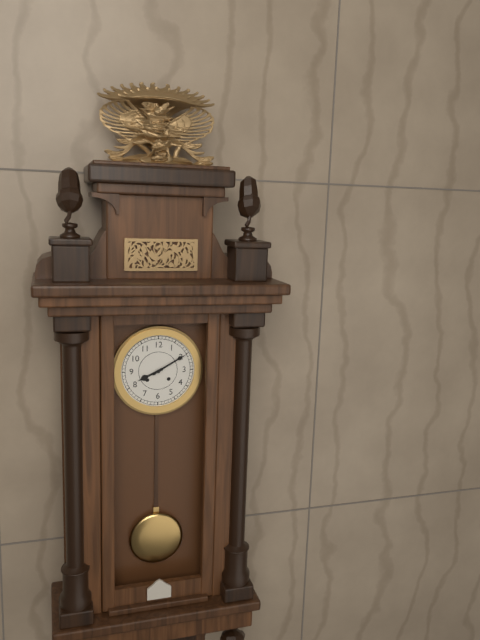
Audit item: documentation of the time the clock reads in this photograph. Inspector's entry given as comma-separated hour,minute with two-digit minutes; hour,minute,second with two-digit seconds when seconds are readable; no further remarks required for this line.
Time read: 8,10
